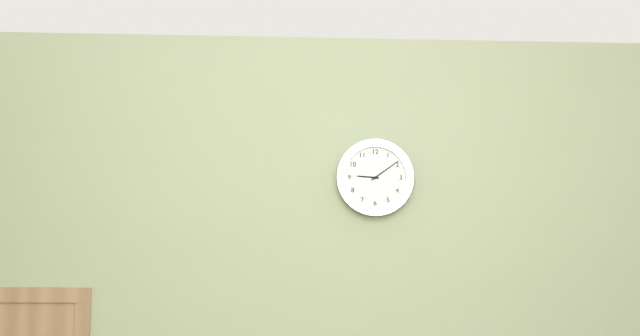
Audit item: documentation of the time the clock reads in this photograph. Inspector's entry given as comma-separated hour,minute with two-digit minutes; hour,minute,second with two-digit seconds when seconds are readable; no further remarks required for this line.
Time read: 9,09
